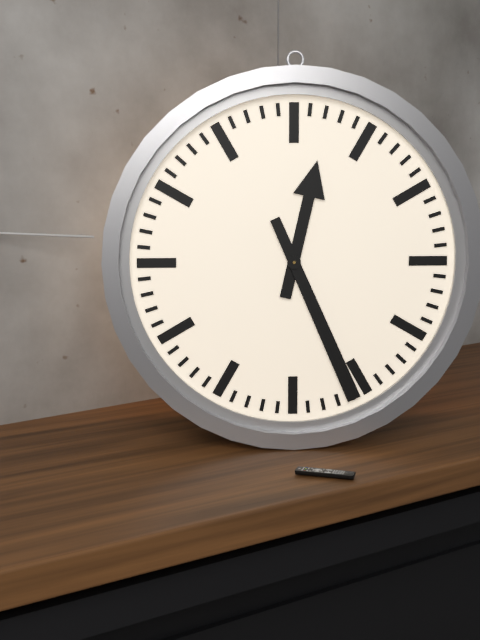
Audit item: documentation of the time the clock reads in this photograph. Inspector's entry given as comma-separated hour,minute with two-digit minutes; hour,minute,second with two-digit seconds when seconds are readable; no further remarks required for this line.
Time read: 12,26
